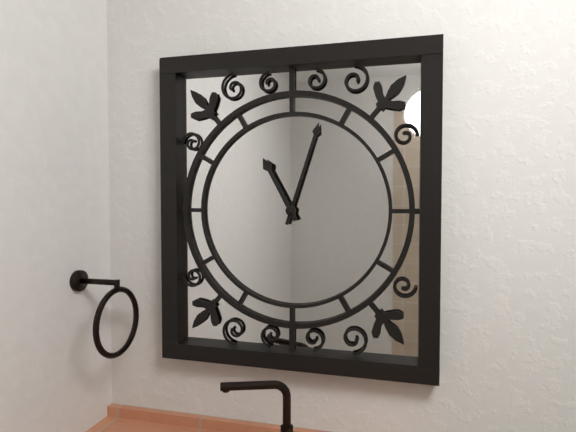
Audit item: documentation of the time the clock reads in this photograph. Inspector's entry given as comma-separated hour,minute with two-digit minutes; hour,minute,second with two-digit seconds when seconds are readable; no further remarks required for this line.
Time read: 11,03
